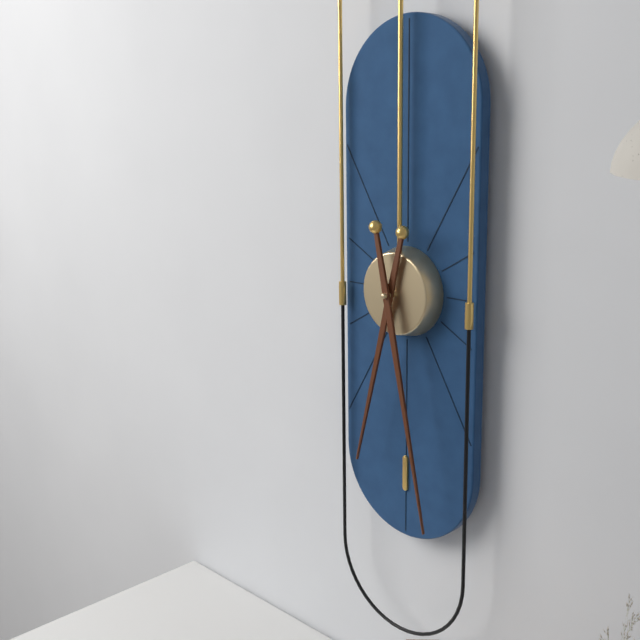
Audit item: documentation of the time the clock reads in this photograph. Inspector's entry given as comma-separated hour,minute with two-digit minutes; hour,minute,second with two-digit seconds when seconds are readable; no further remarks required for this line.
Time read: 6,28
